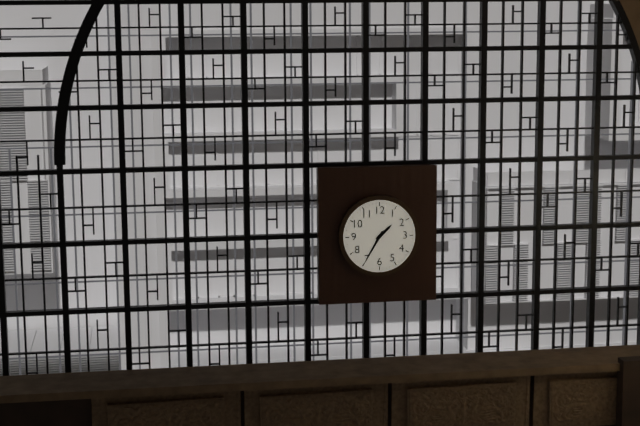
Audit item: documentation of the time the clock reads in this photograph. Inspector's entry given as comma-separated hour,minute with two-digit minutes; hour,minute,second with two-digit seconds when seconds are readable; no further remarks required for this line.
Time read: 1,35
